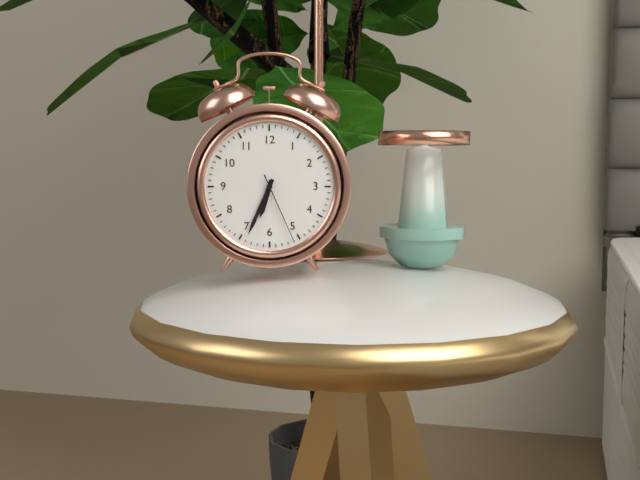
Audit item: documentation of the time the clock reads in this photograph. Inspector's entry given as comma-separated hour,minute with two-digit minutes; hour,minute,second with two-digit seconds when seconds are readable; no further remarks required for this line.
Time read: 6,34,26
